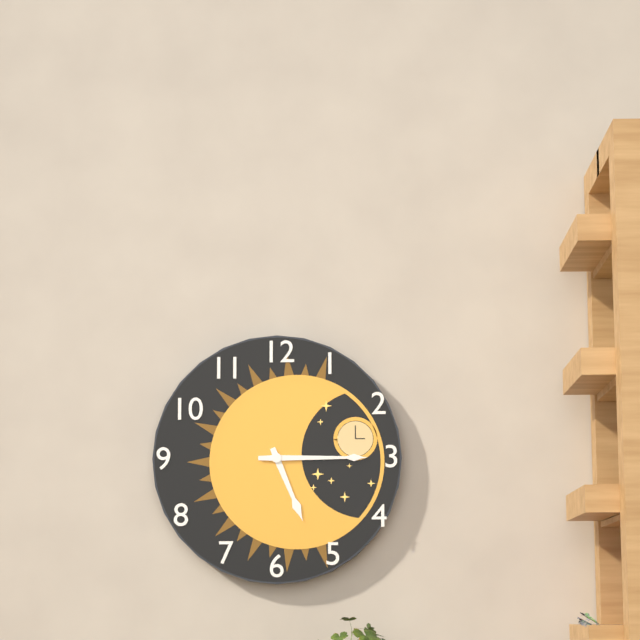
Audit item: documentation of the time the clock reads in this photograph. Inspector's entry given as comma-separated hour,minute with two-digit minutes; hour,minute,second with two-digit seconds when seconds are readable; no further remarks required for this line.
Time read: 5,15
